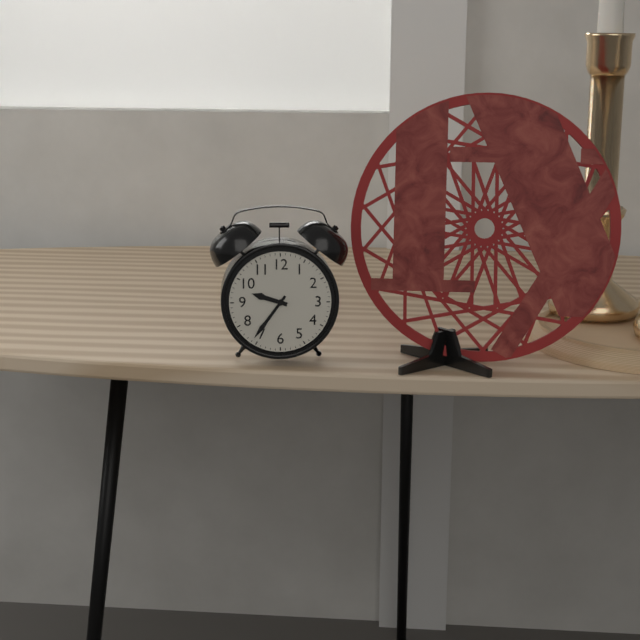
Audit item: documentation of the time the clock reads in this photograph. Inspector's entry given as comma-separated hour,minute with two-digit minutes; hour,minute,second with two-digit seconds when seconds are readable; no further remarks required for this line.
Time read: 9,36
